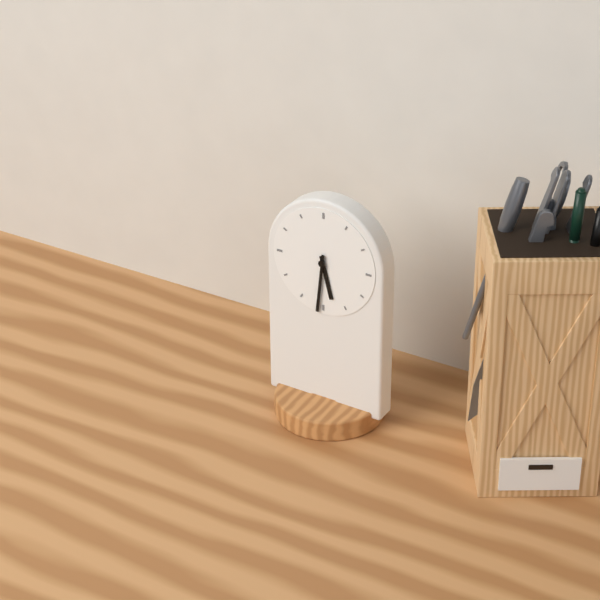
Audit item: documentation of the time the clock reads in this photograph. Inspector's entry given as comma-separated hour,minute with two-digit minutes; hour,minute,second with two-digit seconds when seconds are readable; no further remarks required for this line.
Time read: 5,31
